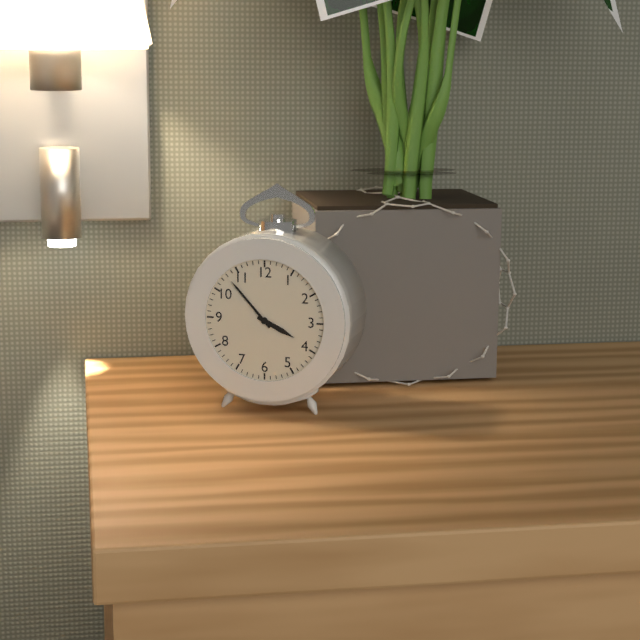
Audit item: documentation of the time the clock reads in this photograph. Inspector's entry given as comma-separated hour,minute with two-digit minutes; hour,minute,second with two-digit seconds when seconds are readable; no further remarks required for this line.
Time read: 3,53
